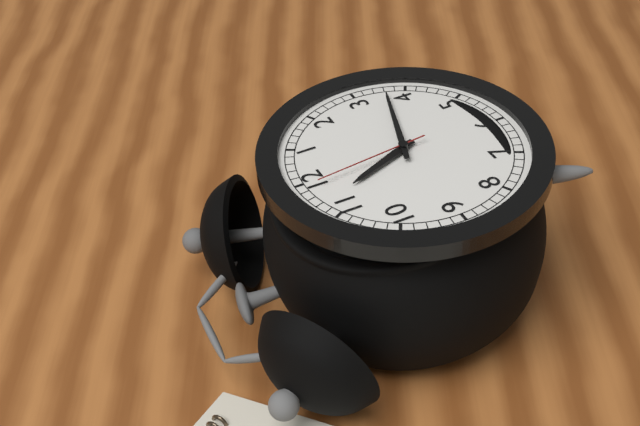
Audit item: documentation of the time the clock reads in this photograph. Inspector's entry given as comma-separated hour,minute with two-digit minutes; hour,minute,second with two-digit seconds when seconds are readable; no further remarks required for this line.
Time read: 11,18,59
